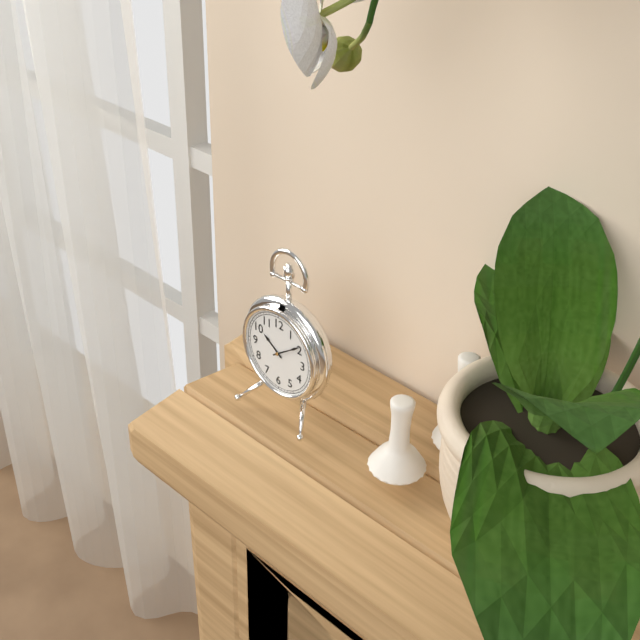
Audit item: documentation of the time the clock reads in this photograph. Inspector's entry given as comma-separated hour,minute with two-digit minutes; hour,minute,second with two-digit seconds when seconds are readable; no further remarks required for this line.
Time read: 10,09
